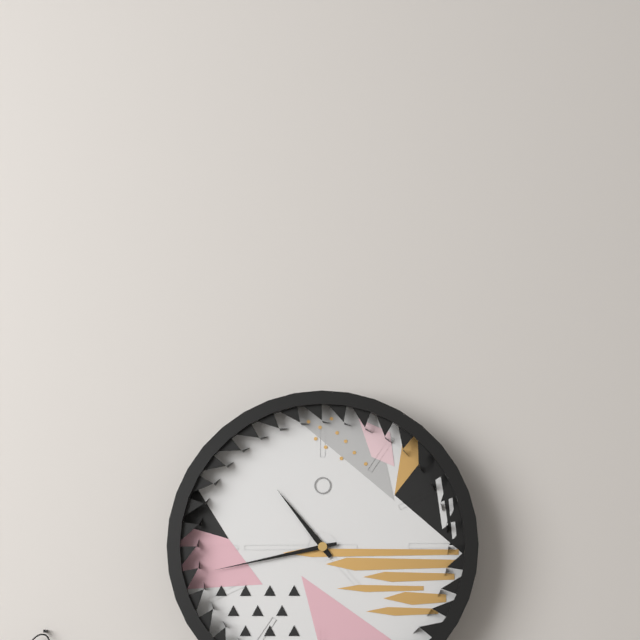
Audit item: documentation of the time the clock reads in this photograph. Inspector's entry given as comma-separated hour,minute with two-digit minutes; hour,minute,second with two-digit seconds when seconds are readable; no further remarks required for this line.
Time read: 10,43
